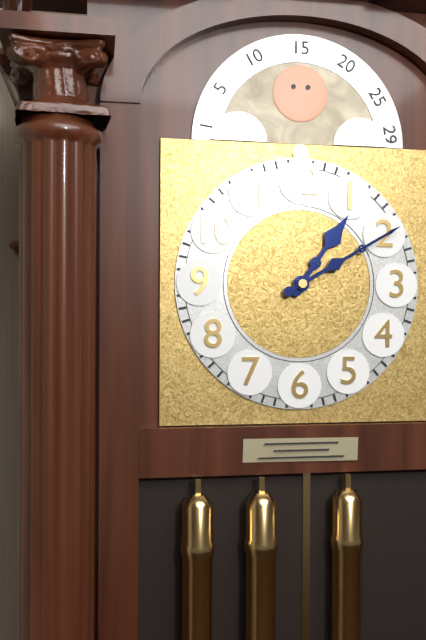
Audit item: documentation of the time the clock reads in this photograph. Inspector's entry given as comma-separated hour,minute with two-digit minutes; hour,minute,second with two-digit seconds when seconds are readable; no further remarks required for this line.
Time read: 1,10
